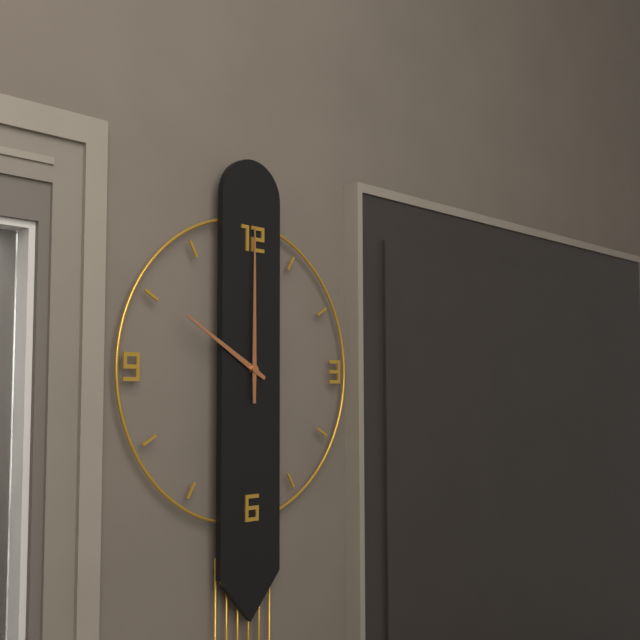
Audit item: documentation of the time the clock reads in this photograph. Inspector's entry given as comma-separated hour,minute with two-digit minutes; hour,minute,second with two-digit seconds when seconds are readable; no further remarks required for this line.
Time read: 10,00
